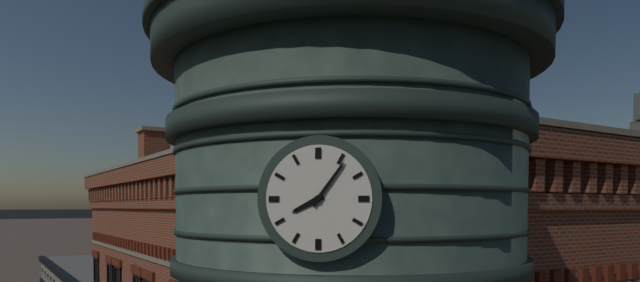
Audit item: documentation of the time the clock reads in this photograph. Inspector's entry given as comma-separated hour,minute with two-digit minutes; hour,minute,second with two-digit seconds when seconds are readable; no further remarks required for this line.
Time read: 8,06
